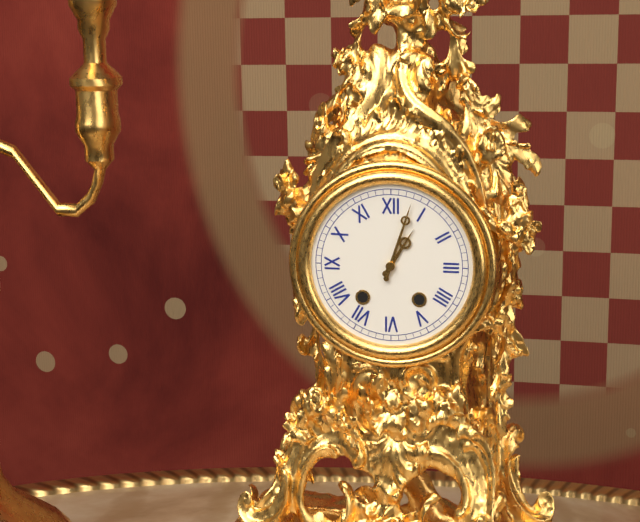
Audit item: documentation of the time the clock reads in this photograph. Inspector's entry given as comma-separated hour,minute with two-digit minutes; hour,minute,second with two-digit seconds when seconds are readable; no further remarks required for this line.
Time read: 1,03
